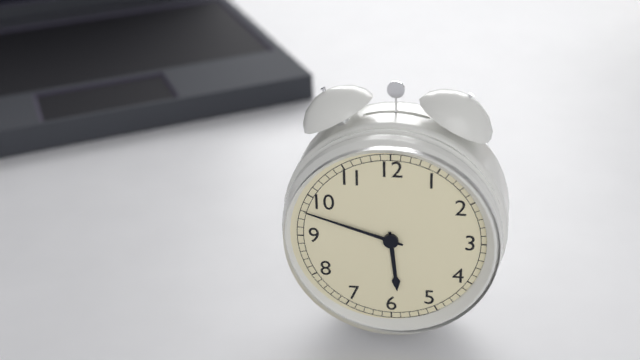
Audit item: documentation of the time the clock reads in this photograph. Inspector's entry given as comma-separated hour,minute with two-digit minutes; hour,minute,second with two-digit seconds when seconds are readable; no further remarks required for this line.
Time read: 5,48
